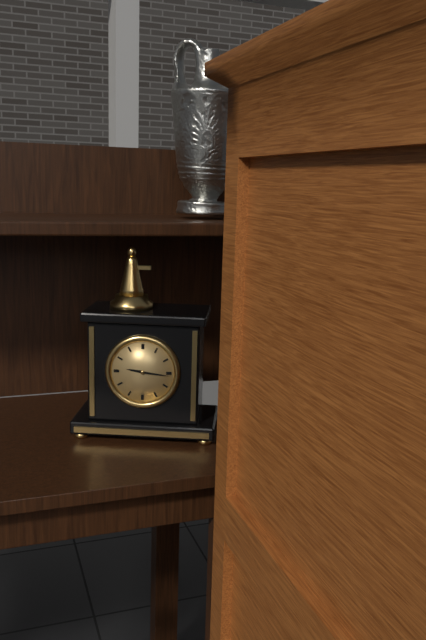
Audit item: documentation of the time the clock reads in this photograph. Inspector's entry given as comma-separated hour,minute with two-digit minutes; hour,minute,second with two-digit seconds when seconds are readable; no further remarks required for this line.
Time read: 9,16
